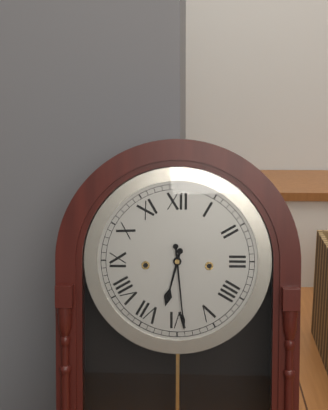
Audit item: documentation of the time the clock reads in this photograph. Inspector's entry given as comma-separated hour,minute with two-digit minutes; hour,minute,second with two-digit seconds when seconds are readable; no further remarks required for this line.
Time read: 6,29
